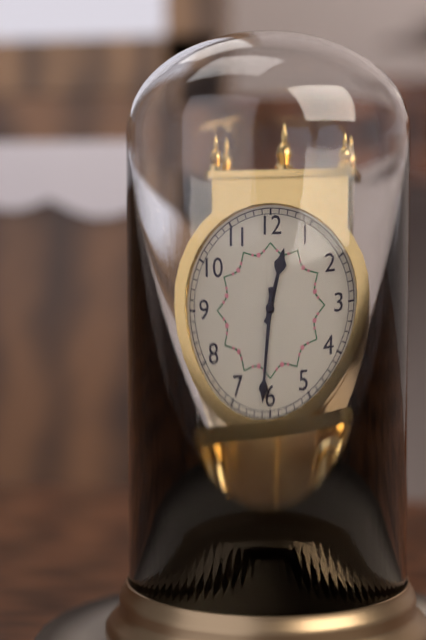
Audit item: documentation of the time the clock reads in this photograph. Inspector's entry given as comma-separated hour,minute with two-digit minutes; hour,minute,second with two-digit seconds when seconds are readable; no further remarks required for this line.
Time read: 12,31
